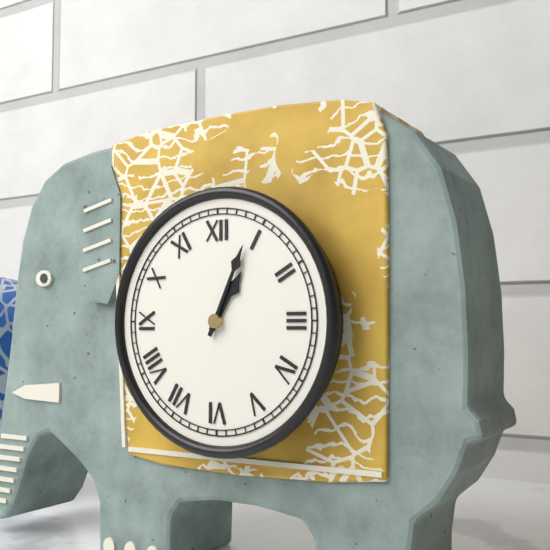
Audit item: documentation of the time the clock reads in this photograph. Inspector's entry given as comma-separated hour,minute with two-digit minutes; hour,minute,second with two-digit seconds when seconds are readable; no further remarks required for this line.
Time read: 1,04
